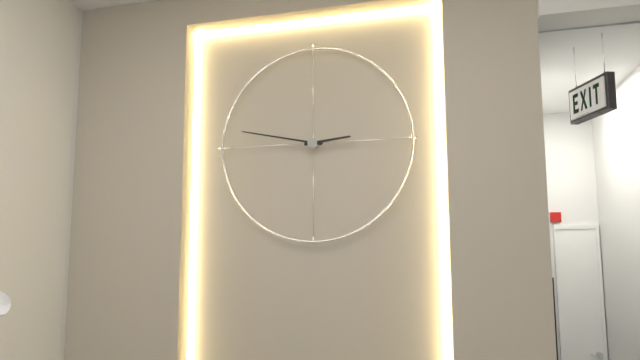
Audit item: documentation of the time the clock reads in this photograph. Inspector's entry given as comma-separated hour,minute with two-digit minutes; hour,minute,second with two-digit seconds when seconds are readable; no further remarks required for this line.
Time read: 2,47
